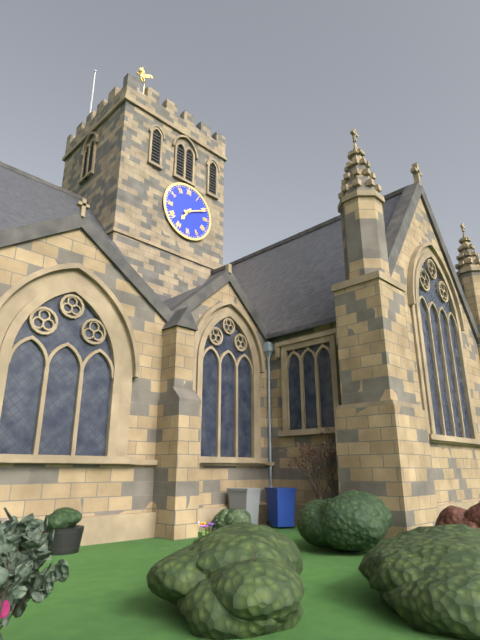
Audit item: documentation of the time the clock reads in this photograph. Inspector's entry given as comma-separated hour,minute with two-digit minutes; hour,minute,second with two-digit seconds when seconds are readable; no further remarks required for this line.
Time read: 7,11
